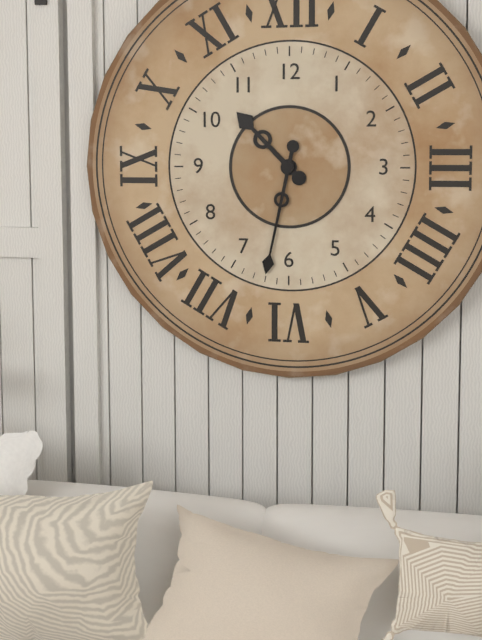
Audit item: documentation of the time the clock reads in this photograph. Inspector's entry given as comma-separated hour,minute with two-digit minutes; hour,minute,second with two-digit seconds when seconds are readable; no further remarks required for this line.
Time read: 10,32
